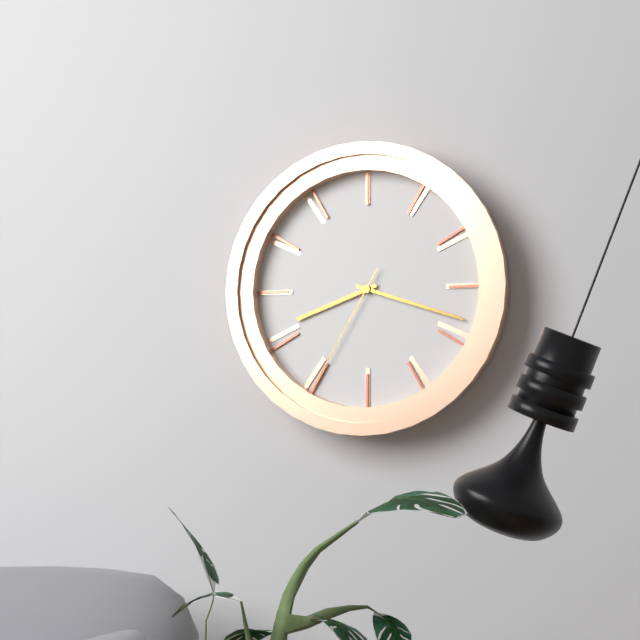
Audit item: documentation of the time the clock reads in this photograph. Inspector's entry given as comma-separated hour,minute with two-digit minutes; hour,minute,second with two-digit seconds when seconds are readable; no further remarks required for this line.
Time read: 8,18,35
